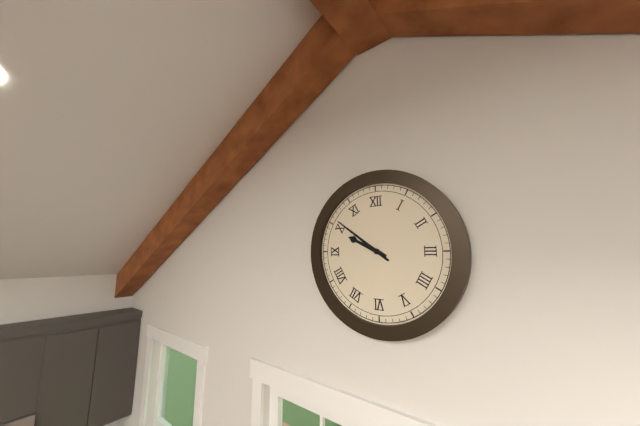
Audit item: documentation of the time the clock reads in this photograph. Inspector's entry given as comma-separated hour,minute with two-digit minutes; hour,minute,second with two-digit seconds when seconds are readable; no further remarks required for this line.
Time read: 9,51
